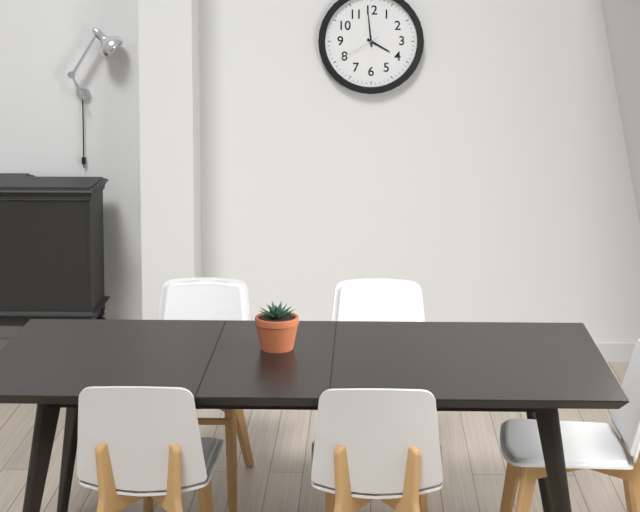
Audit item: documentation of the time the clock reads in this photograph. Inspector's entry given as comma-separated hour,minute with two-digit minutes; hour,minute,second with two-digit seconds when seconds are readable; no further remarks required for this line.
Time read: 3,59
